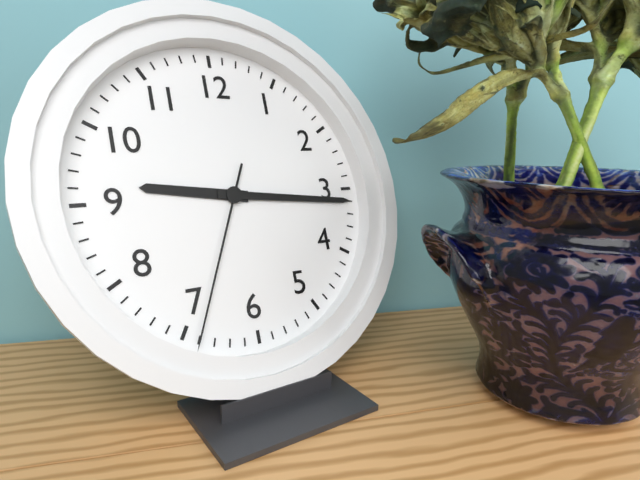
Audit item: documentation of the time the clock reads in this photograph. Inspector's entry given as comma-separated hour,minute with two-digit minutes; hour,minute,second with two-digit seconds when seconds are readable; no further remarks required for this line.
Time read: 9,16,34
